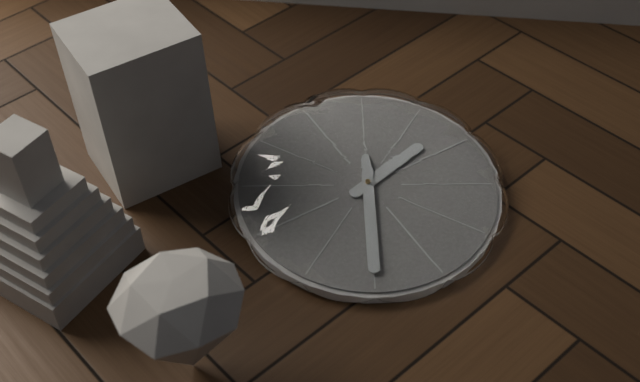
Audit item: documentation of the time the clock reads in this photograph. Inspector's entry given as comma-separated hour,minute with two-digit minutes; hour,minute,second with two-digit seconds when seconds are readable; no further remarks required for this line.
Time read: 2,35
